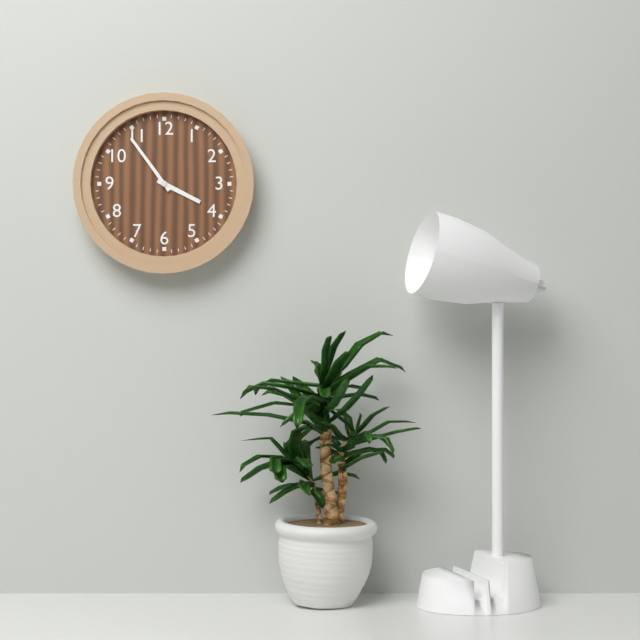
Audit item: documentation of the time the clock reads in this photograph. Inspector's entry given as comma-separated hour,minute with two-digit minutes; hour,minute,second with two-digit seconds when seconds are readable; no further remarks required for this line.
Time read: 3,54
